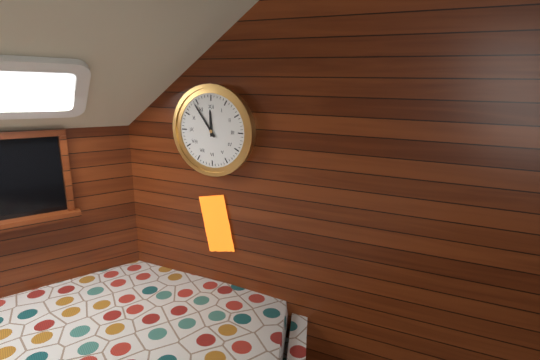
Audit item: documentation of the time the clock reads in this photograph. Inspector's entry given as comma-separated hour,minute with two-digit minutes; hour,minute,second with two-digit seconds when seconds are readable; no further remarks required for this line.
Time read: 11,54
